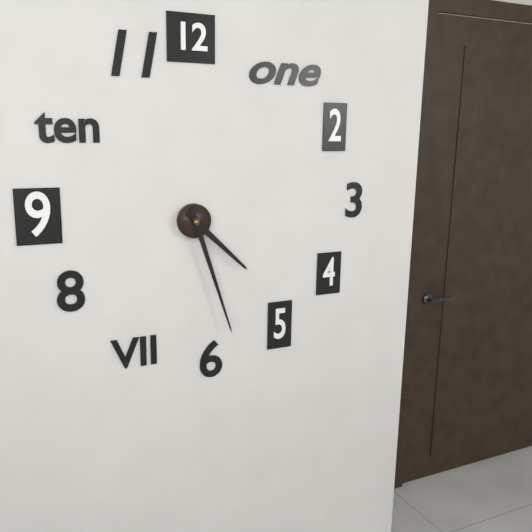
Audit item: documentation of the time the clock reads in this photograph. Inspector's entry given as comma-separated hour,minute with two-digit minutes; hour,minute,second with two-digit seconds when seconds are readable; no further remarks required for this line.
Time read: 4,27
